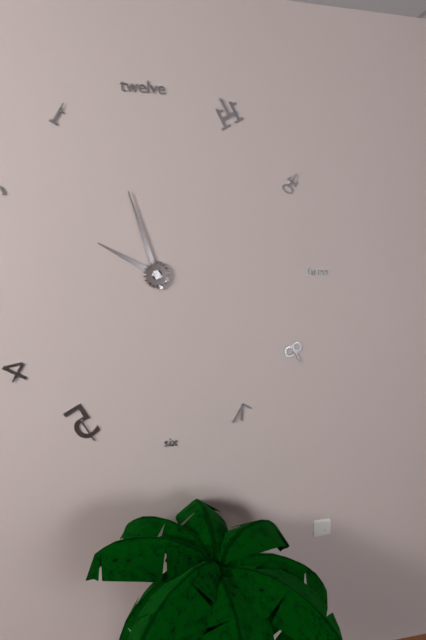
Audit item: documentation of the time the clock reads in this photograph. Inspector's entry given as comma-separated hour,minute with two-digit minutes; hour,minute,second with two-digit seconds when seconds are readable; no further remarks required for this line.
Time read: 9,57
